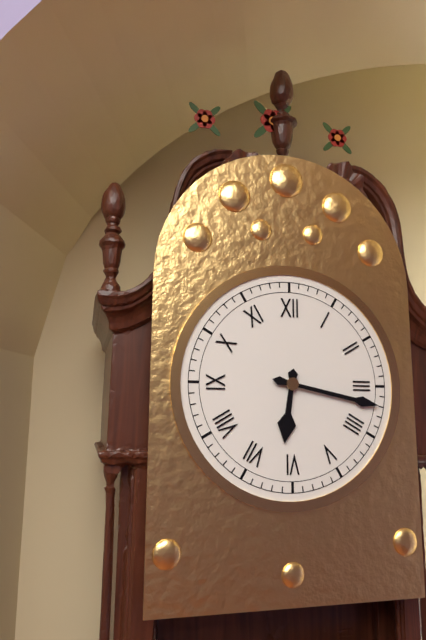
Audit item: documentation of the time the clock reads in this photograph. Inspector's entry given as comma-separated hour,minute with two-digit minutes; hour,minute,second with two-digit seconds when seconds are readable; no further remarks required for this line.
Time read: 6,17
